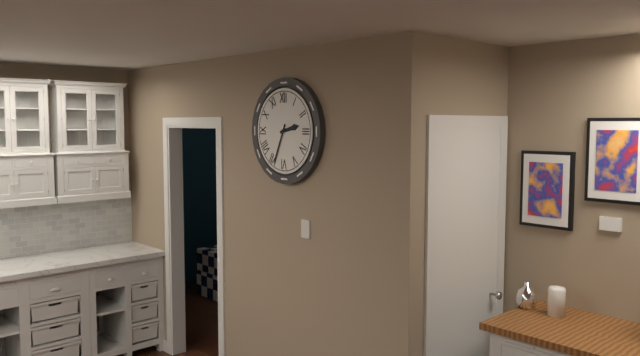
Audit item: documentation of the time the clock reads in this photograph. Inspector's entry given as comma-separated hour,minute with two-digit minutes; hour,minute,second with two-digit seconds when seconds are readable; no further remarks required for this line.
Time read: 2,34
